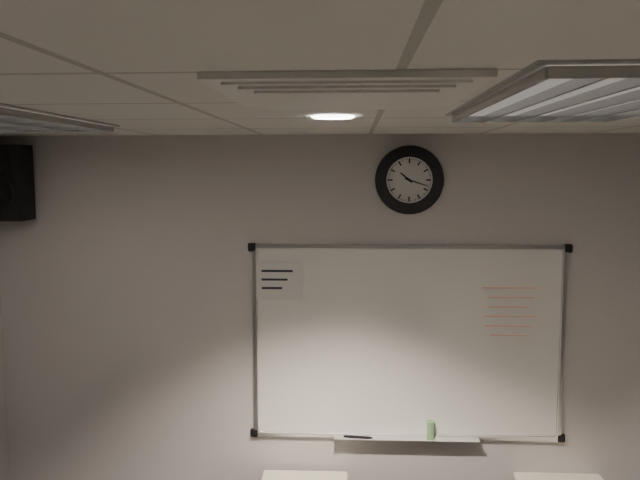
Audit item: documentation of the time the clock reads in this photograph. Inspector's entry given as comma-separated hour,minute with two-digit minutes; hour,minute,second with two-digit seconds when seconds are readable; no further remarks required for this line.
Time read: 10,18
